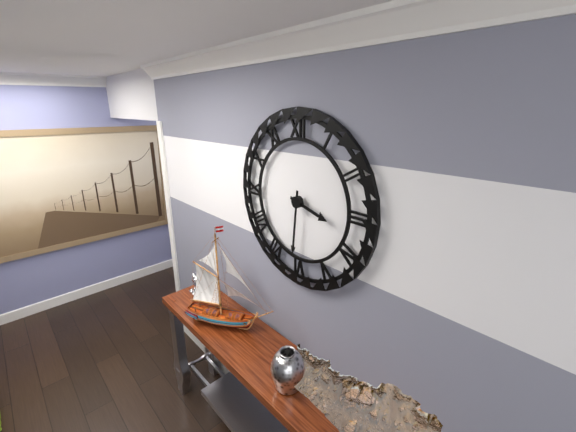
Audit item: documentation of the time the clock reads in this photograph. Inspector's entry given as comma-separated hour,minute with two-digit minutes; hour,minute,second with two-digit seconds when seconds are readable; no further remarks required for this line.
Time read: 3,31
